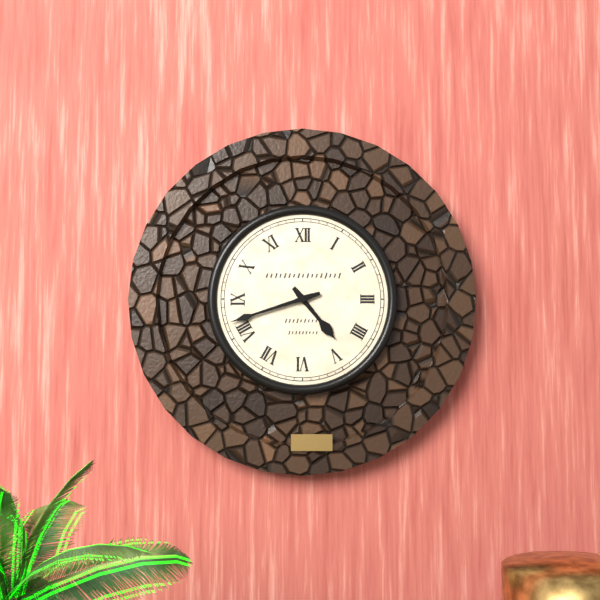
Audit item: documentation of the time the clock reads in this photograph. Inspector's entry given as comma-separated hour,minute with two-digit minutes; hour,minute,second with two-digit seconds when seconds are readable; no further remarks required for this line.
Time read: 4,42
